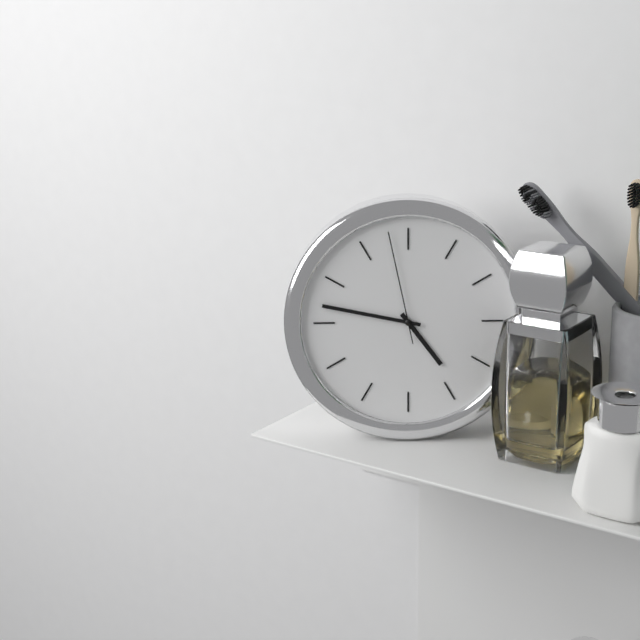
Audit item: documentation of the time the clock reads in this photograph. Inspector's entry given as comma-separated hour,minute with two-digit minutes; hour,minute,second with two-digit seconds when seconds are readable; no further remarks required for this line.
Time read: 4,47,58
